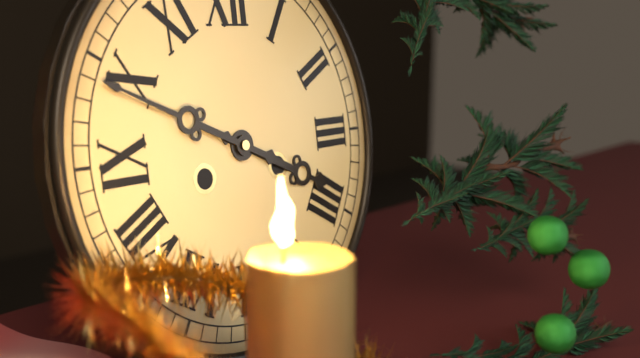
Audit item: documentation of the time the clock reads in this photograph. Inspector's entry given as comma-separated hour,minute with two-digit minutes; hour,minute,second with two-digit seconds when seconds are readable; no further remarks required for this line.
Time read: 3,49
